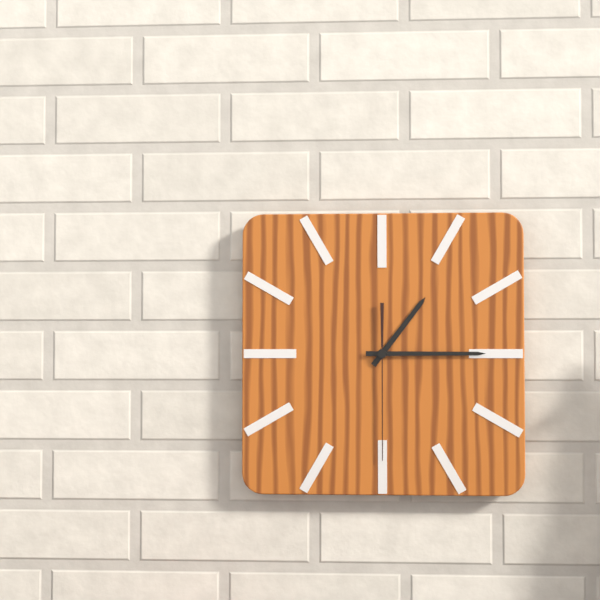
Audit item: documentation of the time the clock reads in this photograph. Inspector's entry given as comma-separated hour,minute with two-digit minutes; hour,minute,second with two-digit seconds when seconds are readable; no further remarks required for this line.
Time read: 1,15,30
